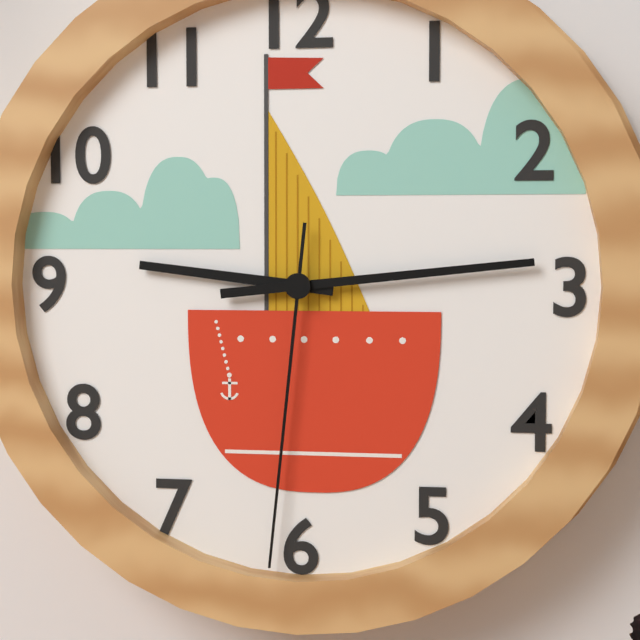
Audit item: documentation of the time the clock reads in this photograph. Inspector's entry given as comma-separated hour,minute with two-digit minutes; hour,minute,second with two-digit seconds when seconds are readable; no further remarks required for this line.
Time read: 9,14,31
